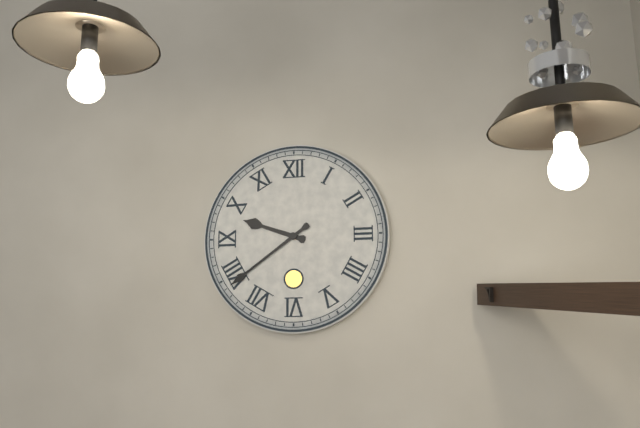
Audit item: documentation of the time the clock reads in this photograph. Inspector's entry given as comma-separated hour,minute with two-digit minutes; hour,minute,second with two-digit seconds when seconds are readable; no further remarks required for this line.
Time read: 9,39
